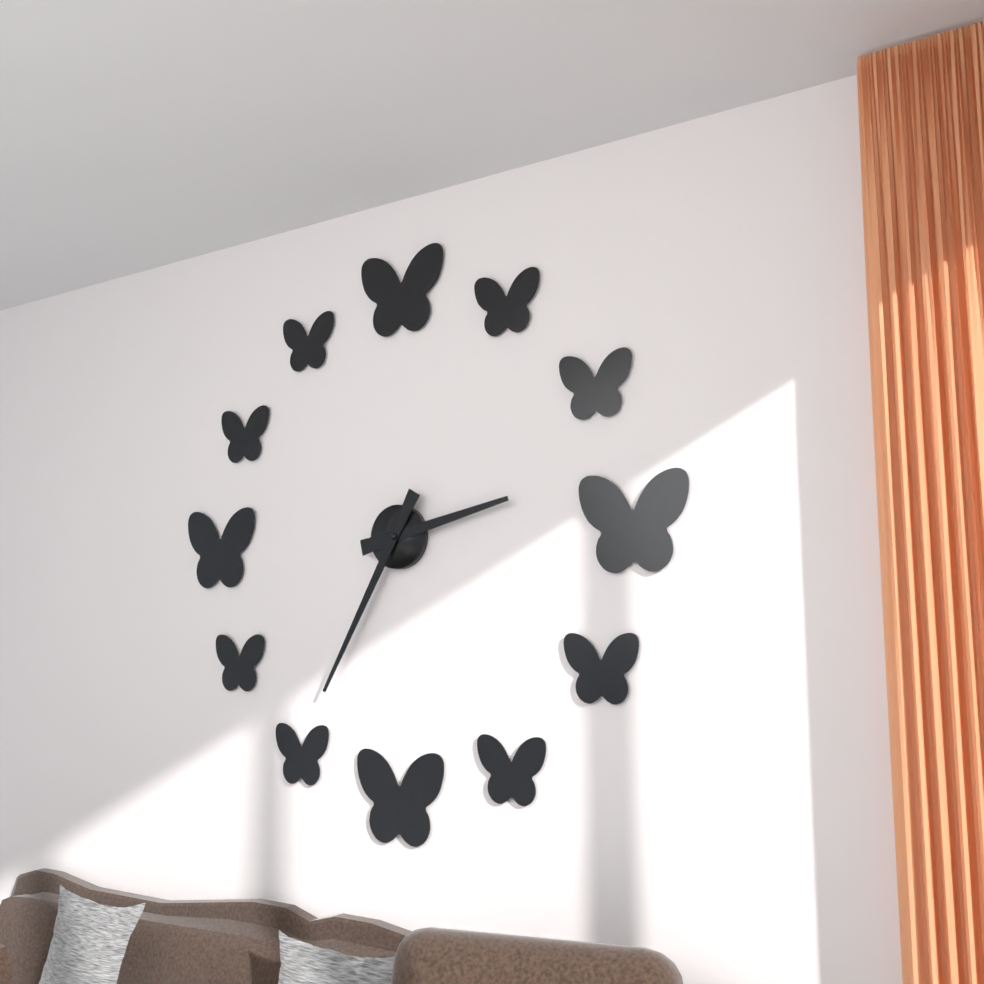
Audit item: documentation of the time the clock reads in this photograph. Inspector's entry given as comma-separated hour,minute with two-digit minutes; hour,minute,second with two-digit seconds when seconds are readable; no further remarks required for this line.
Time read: 2,35
